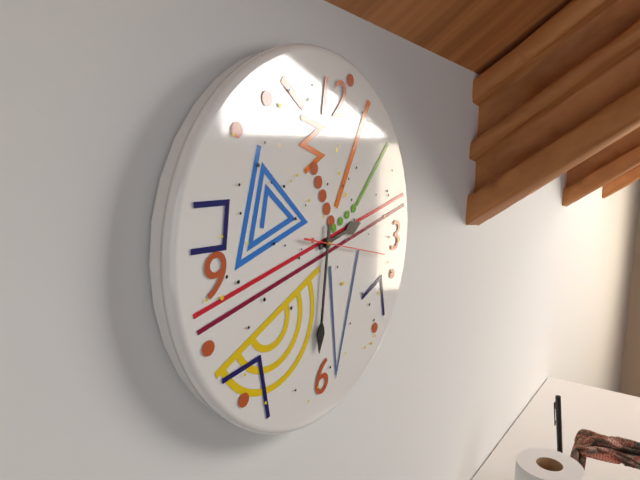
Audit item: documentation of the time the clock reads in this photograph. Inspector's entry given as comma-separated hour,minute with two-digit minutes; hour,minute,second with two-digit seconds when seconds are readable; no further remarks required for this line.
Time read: 2,31,17
